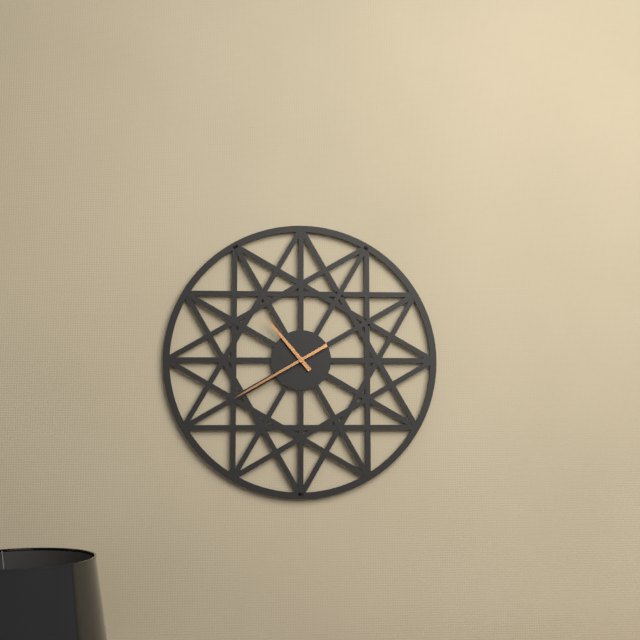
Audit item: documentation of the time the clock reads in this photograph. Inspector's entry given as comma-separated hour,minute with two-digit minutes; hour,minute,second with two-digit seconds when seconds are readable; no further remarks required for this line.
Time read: 10,40
